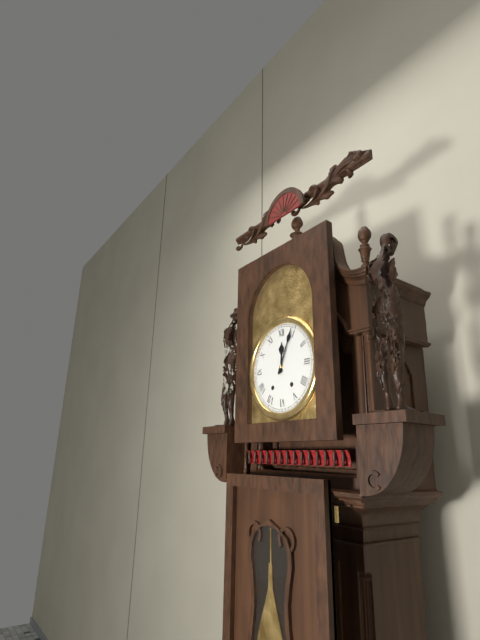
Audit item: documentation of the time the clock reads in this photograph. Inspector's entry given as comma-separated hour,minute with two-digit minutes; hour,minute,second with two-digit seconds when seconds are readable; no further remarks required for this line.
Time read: 12,04
